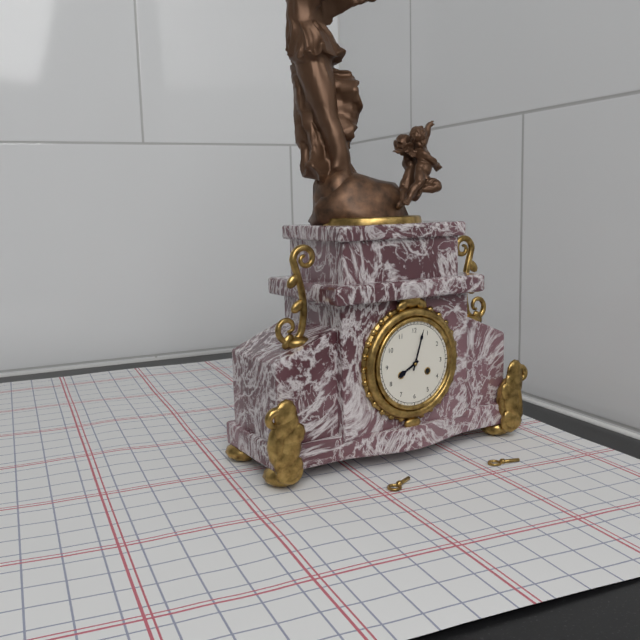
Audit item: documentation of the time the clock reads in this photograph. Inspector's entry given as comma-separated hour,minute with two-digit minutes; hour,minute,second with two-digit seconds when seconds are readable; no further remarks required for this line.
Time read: 8,03
